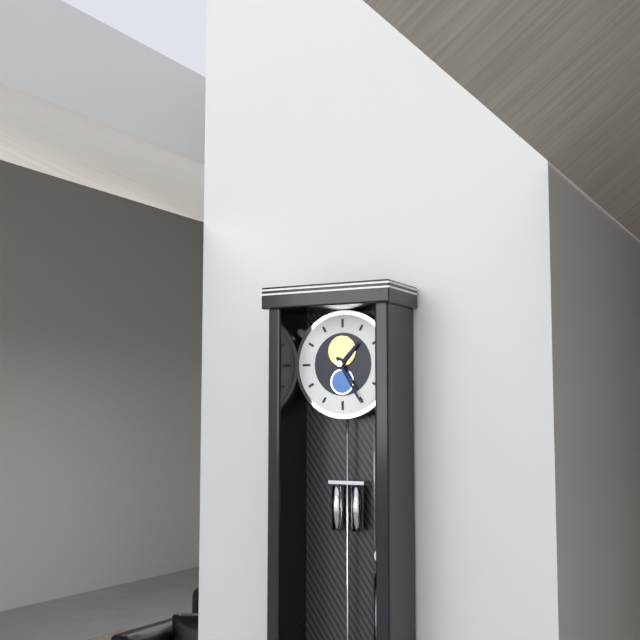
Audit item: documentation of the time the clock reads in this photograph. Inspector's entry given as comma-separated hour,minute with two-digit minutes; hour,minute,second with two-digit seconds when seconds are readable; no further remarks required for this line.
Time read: 1,25
